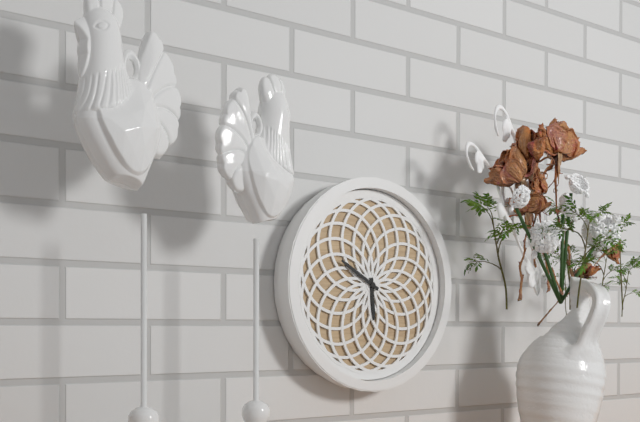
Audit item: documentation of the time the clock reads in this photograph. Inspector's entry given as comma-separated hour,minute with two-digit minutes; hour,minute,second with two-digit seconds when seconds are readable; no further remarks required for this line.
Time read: 5,50
